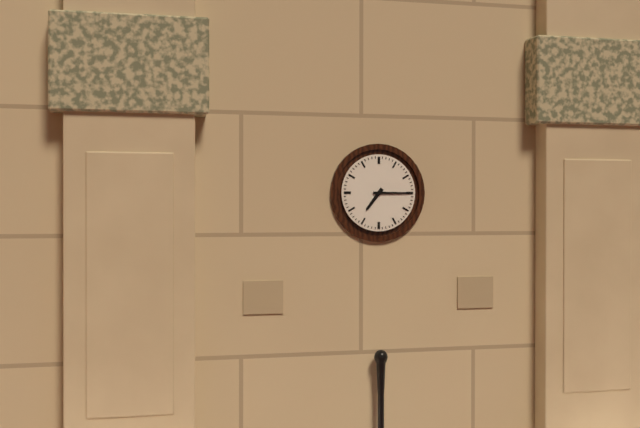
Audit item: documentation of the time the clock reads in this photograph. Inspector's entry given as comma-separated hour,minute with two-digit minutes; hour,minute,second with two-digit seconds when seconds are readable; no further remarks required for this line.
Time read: 7,15
